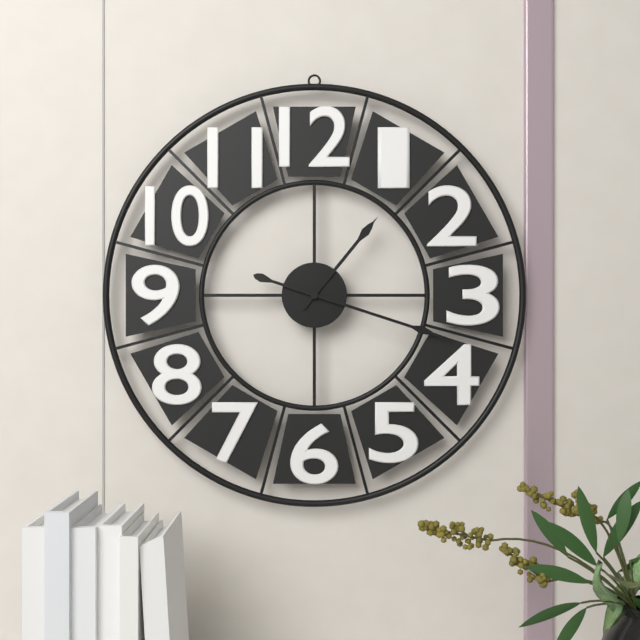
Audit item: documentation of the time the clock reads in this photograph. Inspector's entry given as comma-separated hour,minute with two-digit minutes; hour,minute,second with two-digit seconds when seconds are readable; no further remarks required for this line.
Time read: 1,18
